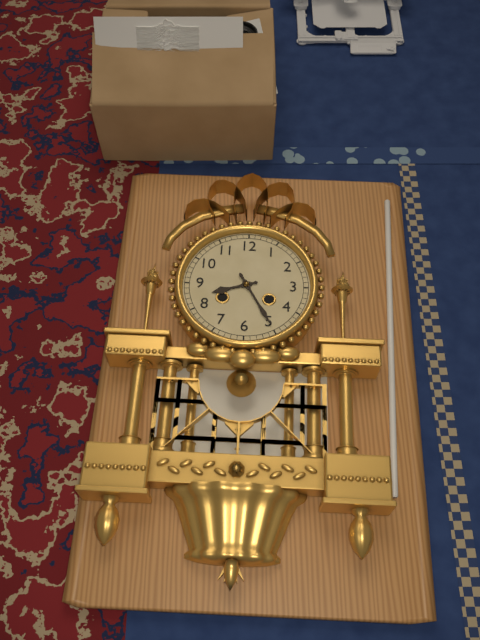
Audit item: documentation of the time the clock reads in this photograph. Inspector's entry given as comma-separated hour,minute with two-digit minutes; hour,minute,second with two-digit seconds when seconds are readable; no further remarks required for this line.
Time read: 8,25
